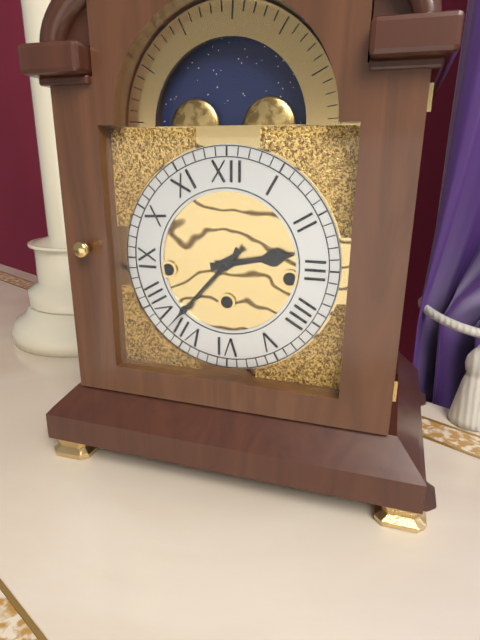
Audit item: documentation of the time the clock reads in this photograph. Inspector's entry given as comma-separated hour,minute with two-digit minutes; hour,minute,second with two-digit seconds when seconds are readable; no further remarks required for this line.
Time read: 2,37
